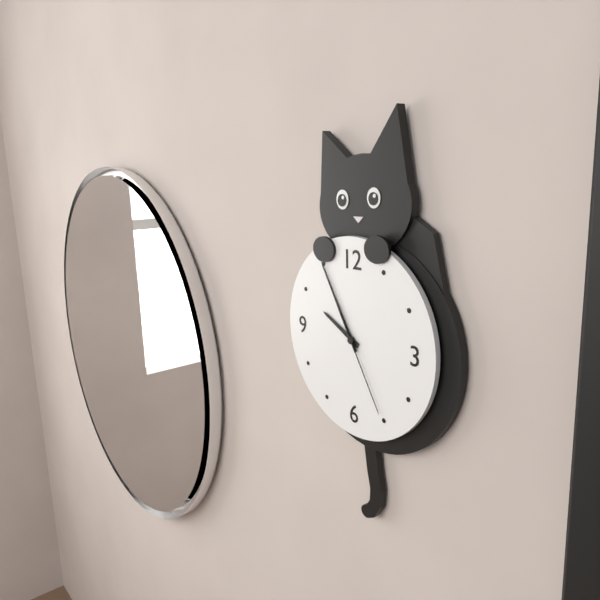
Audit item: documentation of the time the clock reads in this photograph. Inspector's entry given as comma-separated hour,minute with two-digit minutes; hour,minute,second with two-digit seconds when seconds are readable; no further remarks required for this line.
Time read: 9,55,25
